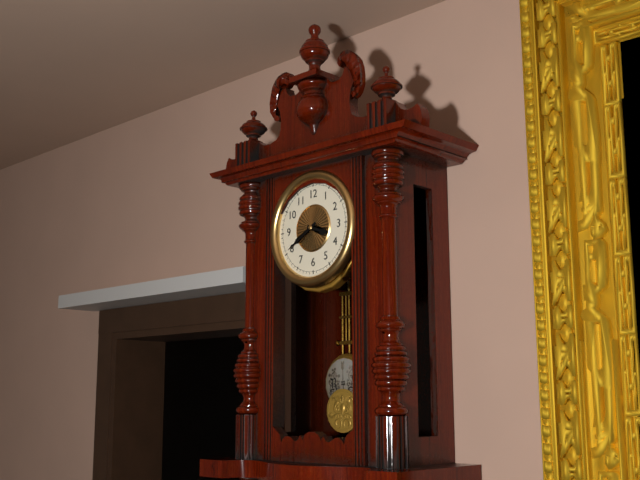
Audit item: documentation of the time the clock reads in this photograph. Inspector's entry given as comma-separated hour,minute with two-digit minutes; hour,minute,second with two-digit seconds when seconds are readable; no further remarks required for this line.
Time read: 3,40
